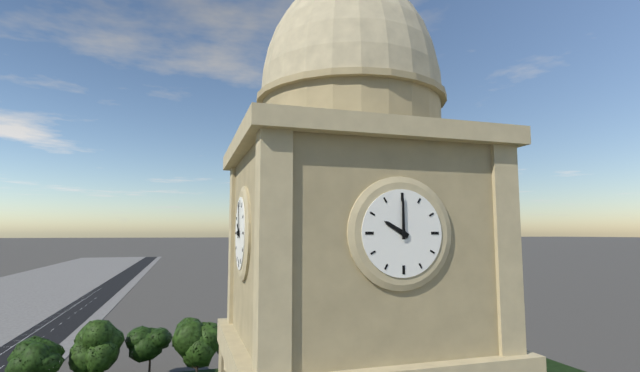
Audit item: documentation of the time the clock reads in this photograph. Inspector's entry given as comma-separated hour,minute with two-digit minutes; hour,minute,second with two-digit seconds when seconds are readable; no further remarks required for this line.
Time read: 10,00
